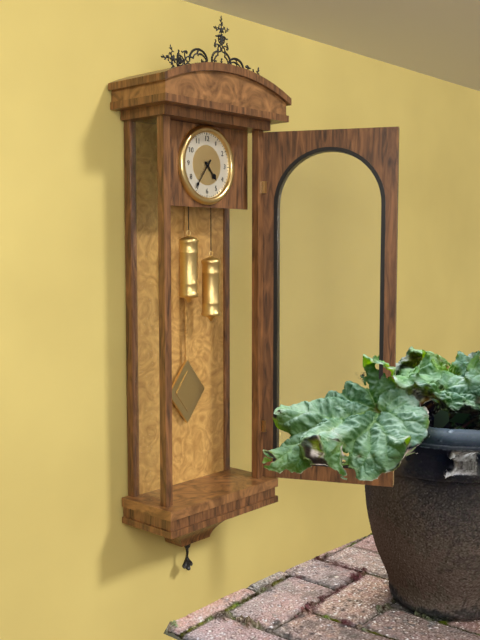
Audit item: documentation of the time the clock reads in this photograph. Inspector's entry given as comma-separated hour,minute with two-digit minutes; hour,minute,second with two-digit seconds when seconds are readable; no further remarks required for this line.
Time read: 4,36
